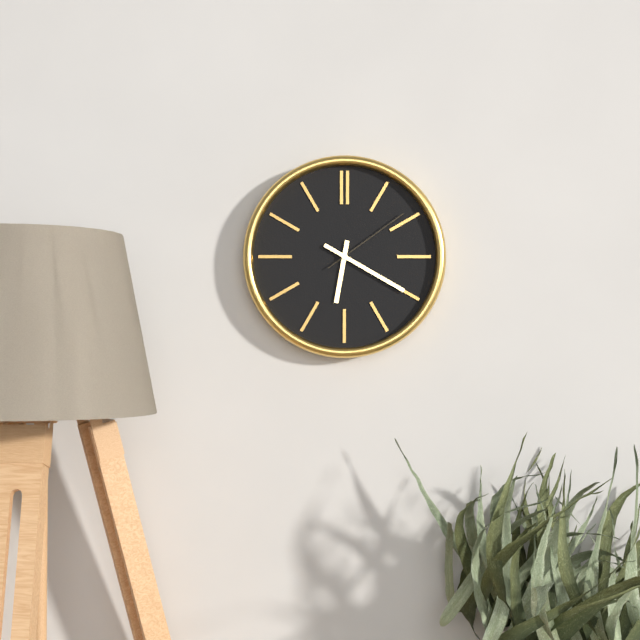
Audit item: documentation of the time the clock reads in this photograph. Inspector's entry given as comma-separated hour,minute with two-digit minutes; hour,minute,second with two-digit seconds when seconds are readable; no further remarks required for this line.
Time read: 6,20,09
